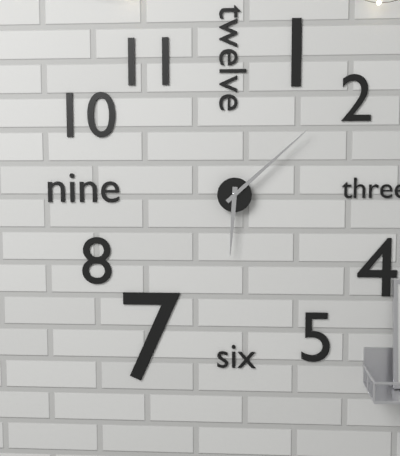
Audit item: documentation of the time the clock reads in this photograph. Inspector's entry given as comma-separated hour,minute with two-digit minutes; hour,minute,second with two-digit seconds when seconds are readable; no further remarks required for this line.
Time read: 6,08
